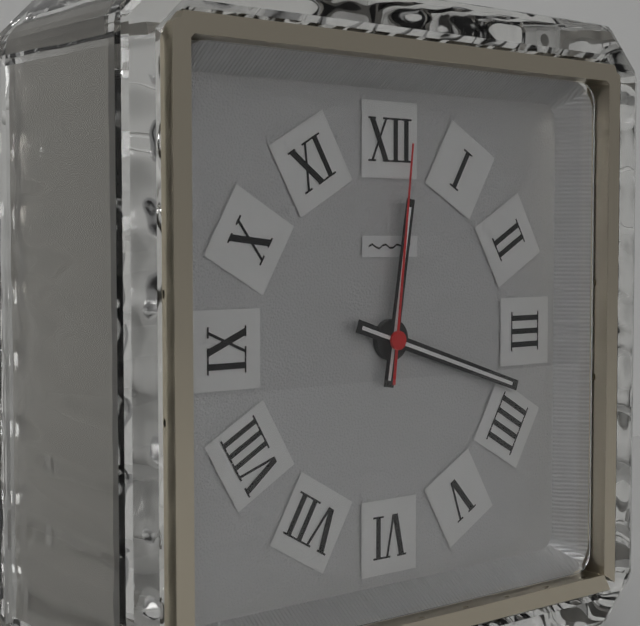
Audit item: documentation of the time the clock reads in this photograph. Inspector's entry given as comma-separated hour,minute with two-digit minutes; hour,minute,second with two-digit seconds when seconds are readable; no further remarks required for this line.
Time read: 12,18,01
